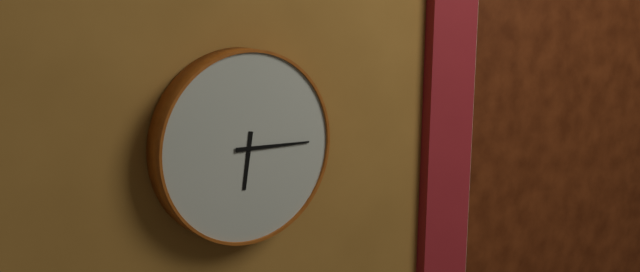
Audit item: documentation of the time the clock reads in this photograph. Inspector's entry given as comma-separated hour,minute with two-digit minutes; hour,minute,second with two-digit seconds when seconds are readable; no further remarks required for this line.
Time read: 6,15
